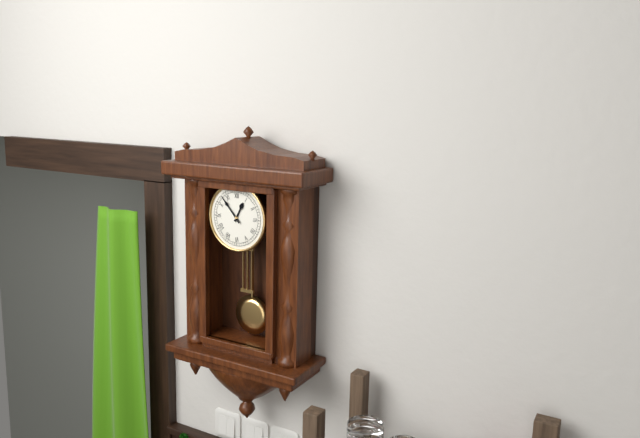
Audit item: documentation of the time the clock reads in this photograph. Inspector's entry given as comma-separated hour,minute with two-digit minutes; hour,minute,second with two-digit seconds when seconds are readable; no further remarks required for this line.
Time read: 12,53
